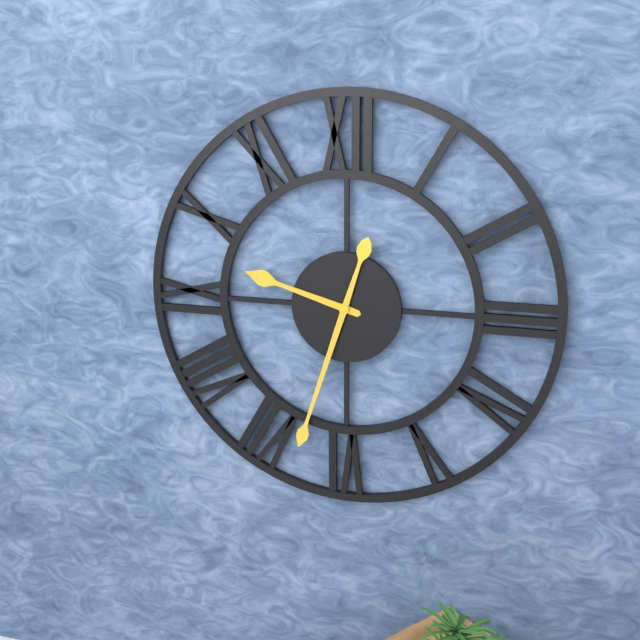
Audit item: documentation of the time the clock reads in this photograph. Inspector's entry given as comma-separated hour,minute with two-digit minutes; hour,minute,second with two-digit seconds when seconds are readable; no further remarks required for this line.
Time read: 9,33
